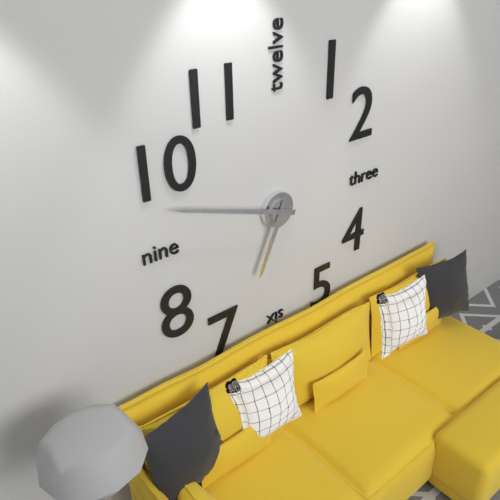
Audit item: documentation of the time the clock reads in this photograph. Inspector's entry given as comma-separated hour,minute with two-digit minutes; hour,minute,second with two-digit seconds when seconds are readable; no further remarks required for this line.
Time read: 6,48
